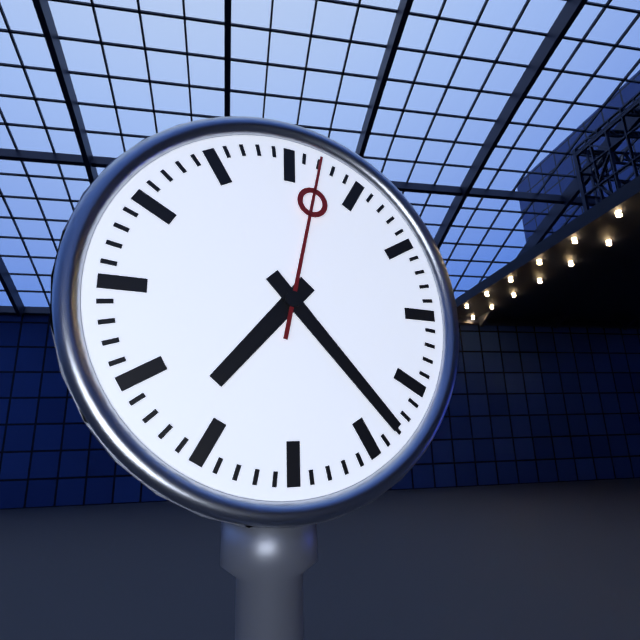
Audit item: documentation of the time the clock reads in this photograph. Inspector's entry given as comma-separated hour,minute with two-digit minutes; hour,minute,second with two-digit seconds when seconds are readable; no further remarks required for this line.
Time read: 7,23,02
